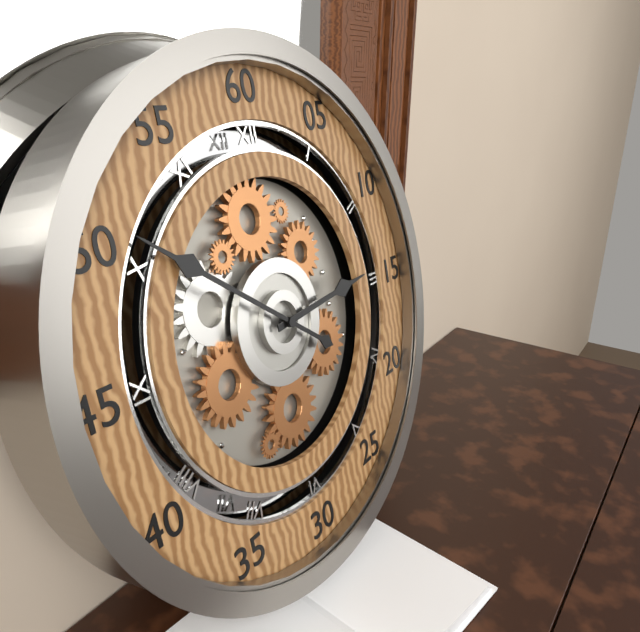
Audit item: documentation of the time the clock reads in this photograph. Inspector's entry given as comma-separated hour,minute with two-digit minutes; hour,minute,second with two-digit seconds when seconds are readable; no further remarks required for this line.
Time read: 2,51
